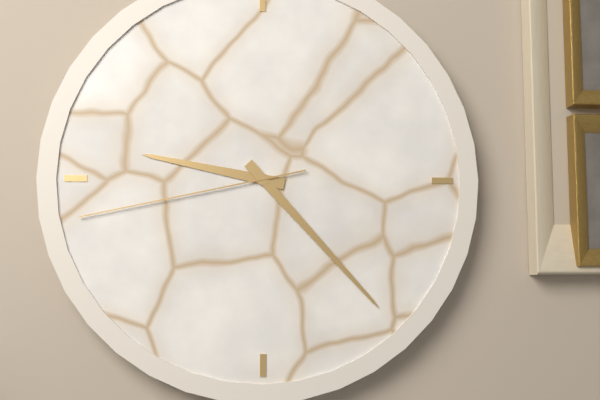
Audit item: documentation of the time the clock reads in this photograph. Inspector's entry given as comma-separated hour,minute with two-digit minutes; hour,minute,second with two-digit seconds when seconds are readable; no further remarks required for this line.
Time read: 9,23,43
